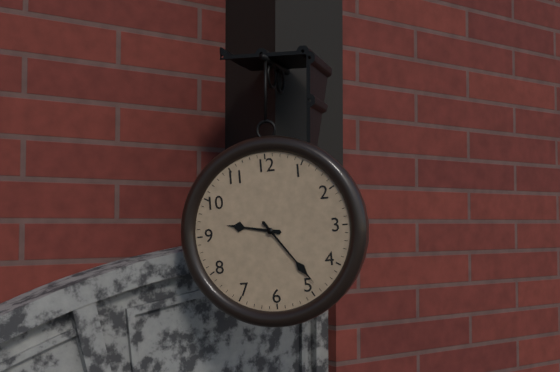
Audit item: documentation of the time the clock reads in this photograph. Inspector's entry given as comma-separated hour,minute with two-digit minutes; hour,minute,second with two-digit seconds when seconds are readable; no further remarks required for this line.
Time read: 9,24
